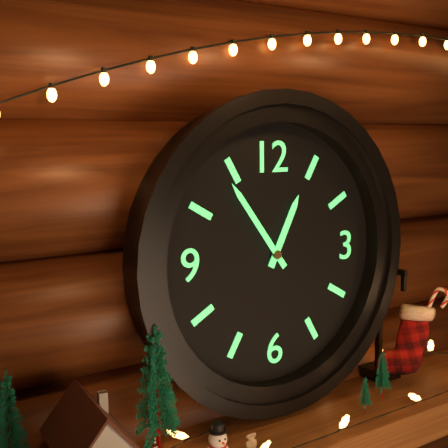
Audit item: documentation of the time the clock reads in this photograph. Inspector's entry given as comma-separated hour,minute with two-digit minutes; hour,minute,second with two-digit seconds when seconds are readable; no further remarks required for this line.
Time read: 12,54
